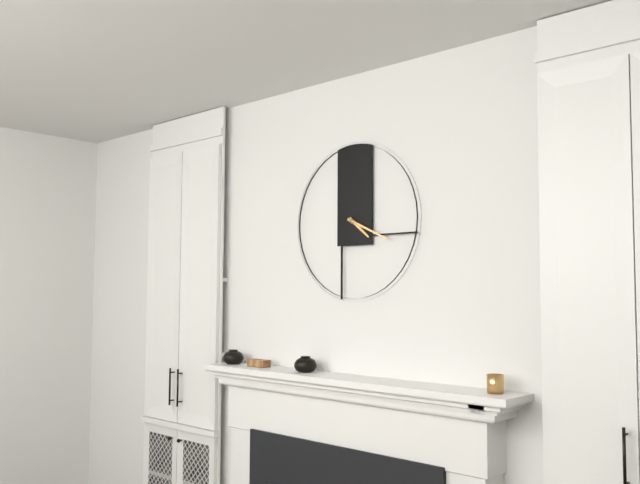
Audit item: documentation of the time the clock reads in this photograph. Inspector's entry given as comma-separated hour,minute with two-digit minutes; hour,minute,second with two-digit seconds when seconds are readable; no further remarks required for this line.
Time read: 4,19
